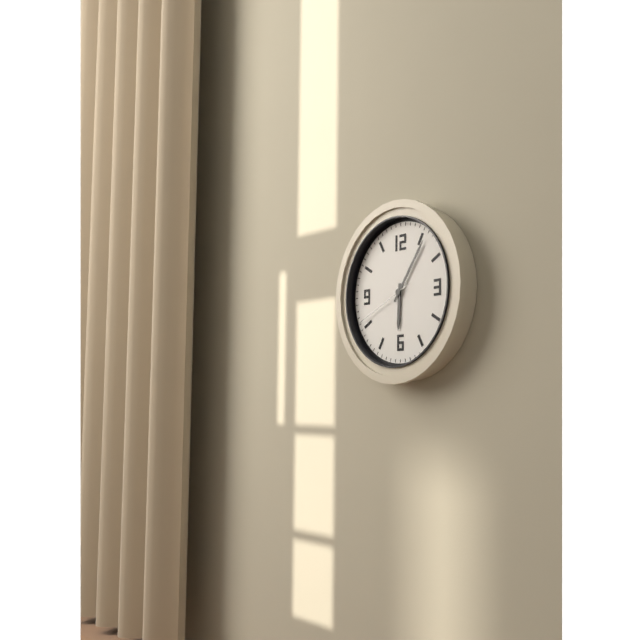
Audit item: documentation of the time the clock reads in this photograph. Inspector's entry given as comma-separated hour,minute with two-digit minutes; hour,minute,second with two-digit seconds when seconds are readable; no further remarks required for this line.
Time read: 6,06,41
